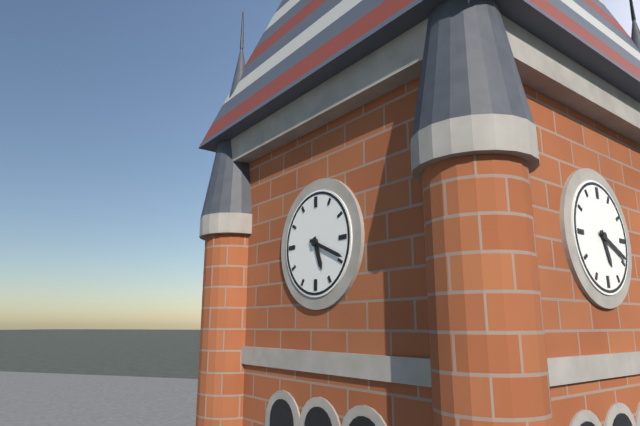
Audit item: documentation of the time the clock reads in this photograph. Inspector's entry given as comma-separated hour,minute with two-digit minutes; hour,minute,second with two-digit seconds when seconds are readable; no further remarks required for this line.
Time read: 5,19
